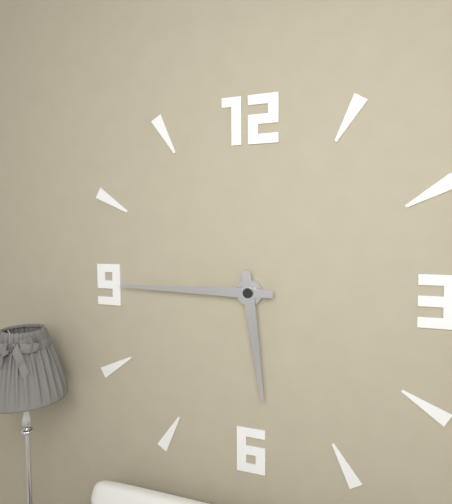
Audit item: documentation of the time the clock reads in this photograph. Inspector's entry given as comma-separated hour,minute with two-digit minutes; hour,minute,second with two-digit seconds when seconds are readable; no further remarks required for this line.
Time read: 5,45
